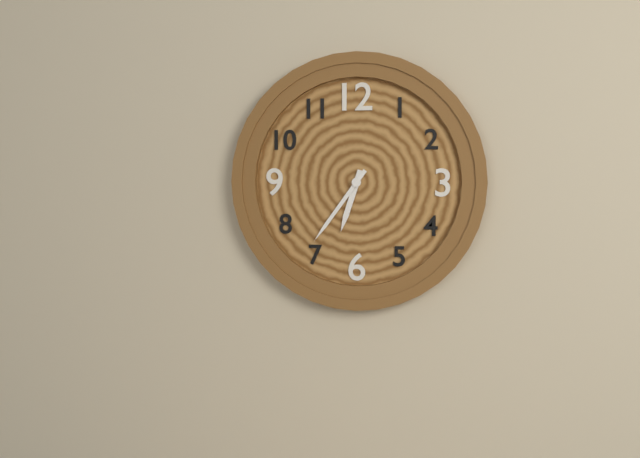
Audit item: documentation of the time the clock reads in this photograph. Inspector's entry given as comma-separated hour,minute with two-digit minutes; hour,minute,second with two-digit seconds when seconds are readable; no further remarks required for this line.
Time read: 6,36
